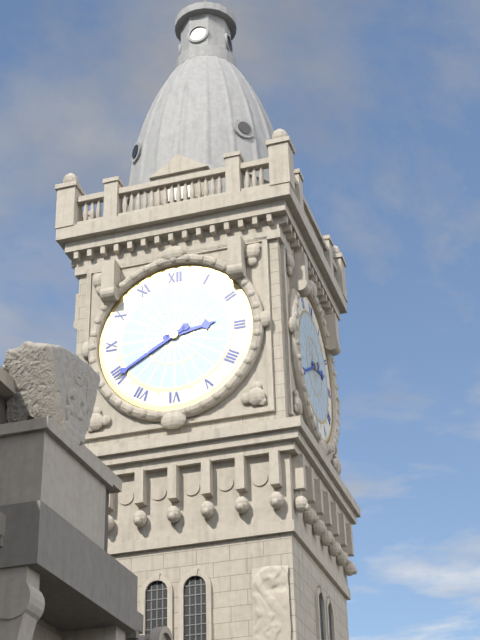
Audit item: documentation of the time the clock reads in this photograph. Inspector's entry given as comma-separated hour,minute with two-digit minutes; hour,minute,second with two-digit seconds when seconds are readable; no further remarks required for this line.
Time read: 2,40
